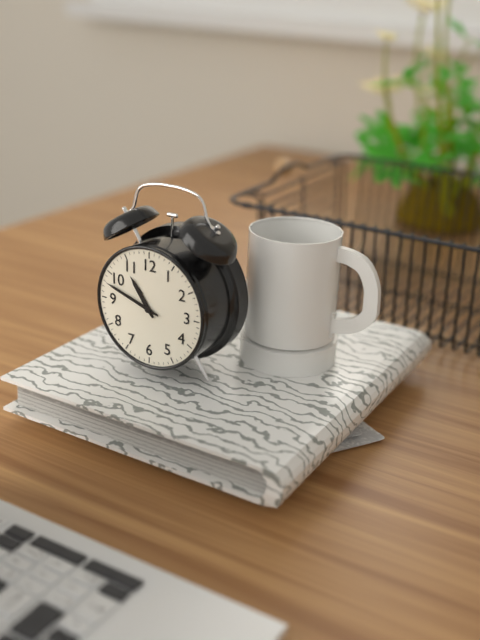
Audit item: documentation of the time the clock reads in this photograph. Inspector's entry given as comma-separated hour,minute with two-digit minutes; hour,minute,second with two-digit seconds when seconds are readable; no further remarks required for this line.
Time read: 10,48
